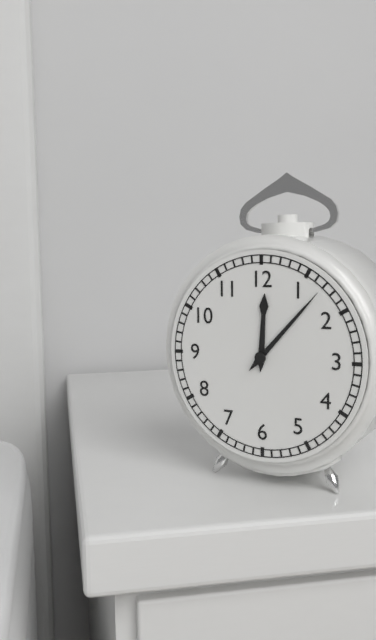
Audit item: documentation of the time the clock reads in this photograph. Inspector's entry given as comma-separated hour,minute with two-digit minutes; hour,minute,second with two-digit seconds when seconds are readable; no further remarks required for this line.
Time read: 12,07
